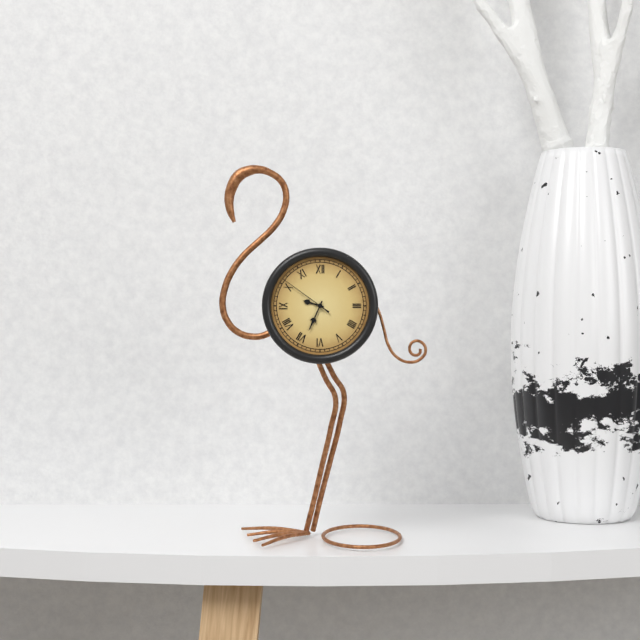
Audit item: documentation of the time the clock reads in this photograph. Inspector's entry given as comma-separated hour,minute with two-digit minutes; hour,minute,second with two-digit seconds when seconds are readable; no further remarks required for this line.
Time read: 9,34,51
